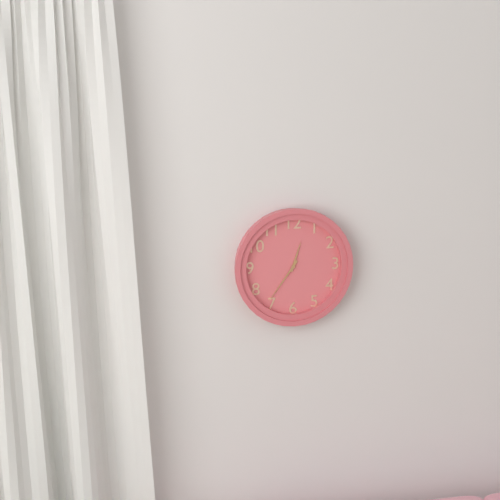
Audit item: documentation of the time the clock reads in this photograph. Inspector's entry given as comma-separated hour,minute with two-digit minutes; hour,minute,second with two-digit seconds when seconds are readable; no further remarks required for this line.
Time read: 12,36
